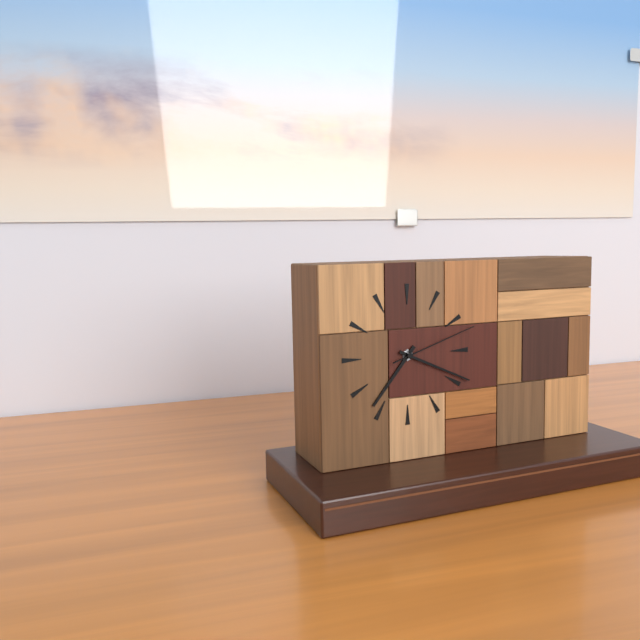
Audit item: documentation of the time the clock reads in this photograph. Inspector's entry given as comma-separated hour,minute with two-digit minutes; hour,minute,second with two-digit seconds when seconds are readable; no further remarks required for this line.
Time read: 7,19,12
